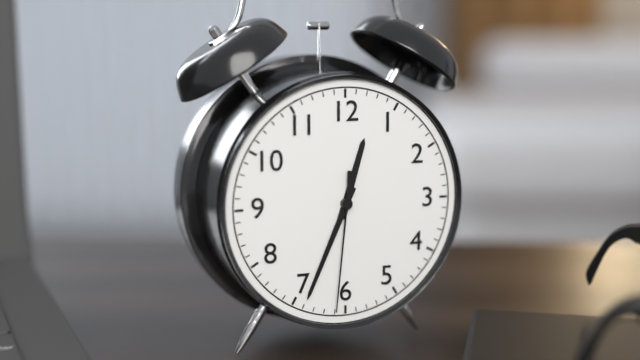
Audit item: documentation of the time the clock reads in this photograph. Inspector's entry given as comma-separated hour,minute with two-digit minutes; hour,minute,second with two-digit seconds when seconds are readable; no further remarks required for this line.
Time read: 12,34,31
